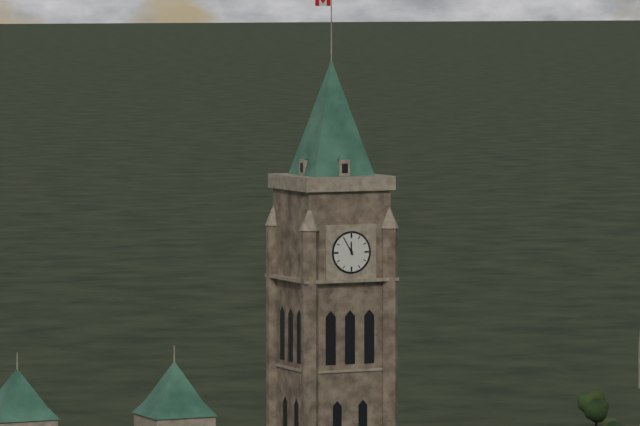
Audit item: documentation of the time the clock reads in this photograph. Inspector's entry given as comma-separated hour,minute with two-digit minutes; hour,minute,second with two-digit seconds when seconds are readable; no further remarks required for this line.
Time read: 11,55
